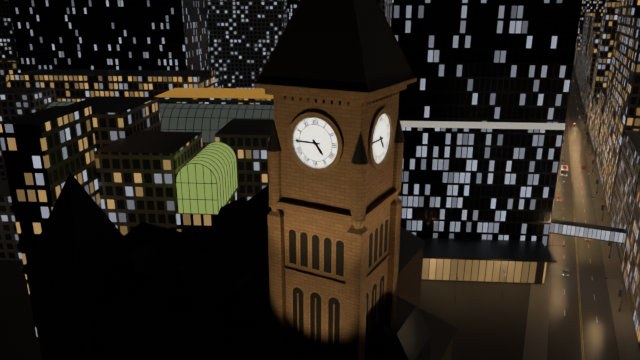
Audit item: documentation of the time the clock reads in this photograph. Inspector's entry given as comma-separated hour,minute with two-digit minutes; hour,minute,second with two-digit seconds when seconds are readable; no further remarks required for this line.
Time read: 4,45
